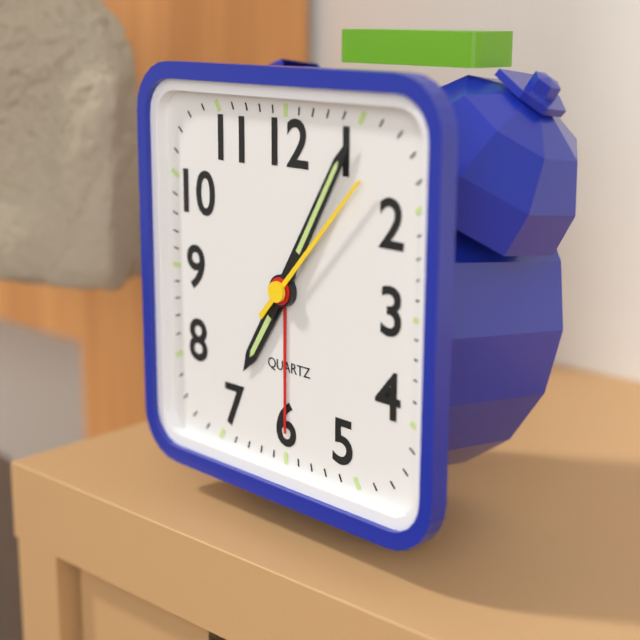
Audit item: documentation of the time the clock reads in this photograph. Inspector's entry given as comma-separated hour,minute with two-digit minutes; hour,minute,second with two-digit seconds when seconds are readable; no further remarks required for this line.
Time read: 7,05,07
